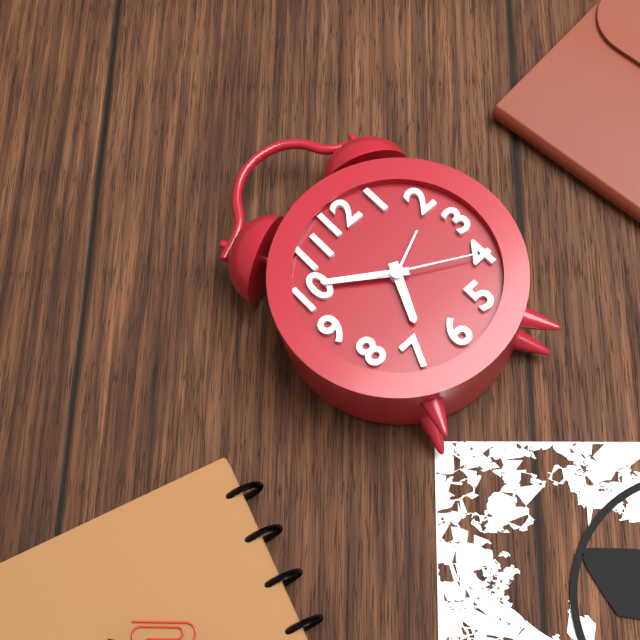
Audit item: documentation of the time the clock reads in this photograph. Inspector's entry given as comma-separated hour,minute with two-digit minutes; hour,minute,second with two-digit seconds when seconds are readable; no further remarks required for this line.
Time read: 6,51,20
